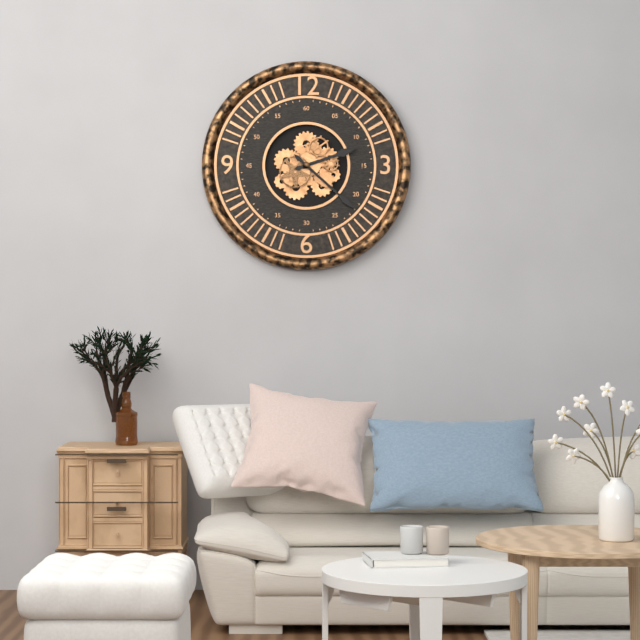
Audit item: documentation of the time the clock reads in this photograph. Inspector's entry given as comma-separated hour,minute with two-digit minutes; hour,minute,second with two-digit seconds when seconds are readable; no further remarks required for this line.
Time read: 2,22
